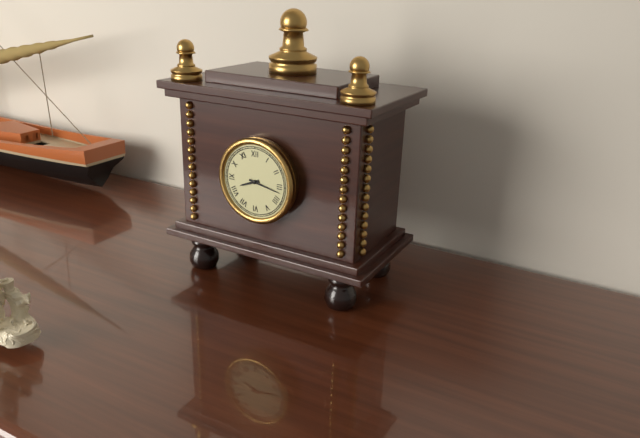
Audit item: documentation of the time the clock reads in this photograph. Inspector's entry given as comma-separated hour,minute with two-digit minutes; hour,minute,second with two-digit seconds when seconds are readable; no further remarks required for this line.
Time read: 8,17
